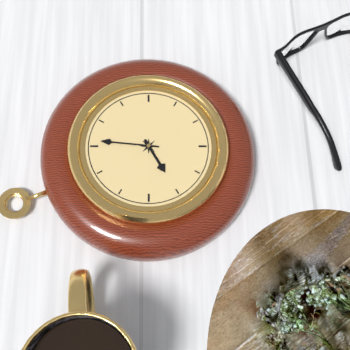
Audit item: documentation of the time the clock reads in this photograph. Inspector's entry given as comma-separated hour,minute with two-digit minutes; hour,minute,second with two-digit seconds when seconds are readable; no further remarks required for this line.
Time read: 8,01
